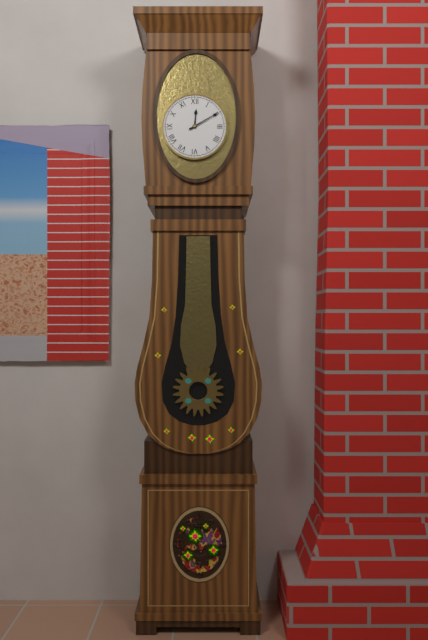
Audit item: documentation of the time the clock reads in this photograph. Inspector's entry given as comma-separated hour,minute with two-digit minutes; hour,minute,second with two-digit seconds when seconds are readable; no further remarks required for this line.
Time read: 12,10
